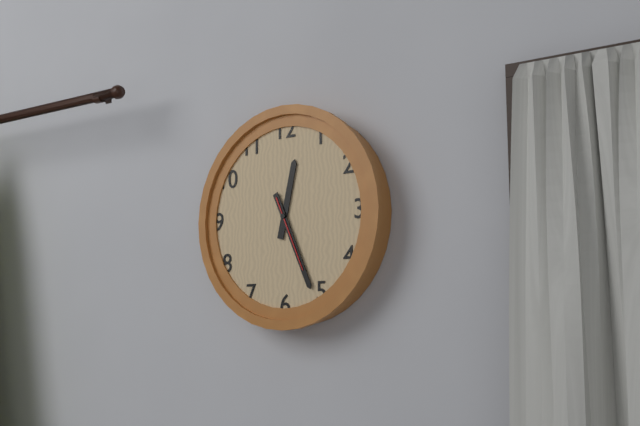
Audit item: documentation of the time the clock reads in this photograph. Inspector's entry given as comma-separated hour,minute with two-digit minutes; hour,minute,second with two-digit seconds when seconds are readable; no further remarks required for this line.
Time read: 12,26,26
